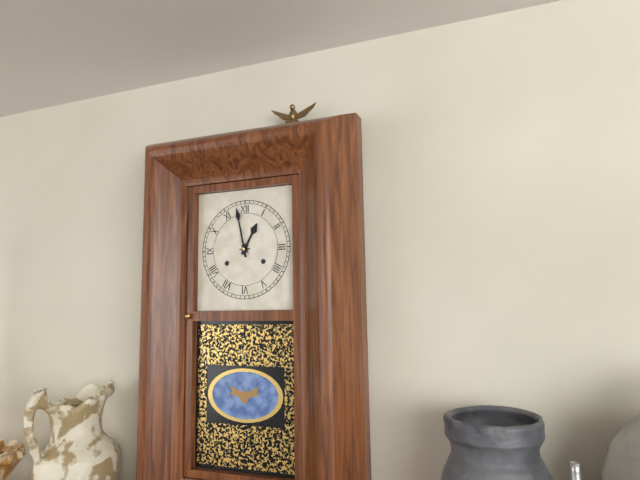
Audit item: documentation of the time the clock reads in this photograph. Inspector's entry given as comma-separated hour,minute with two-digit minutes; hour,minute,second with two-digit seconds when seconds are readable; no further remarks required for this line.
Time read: 12,58
